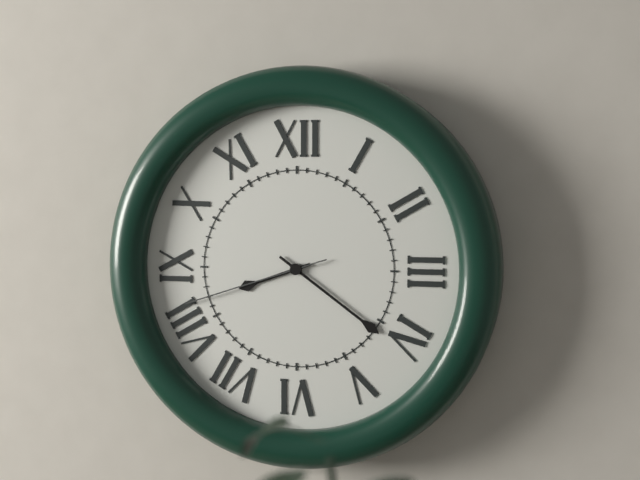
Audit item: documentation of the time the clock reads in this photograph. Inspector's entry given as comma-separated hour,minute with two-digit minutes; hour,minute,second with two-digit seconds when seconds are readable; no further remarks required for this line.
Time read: 8,21,42
